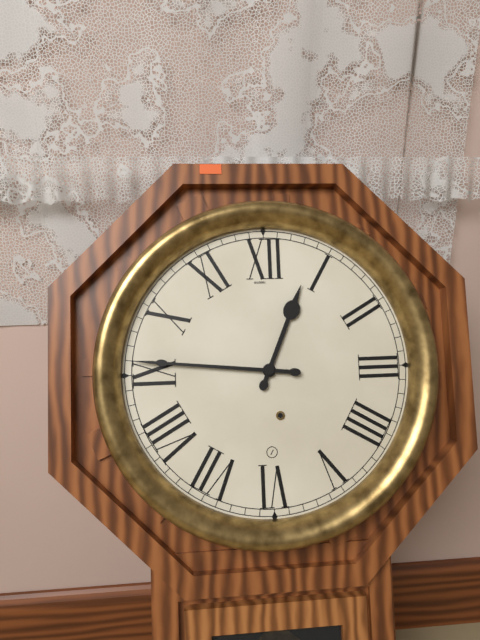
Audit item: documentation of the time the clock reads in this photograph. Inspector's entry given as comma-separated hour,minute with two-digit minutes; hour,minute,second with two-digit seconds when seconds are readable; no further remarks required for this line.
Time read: 12,46
